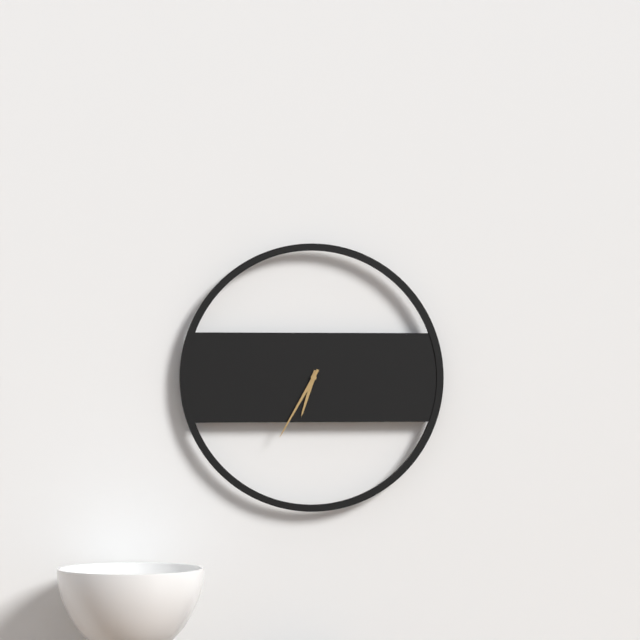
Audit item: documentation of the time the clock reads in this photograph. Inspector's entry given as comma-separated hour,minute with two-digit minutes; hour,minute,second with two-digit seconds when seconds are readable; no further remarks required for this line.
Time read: 6,35
